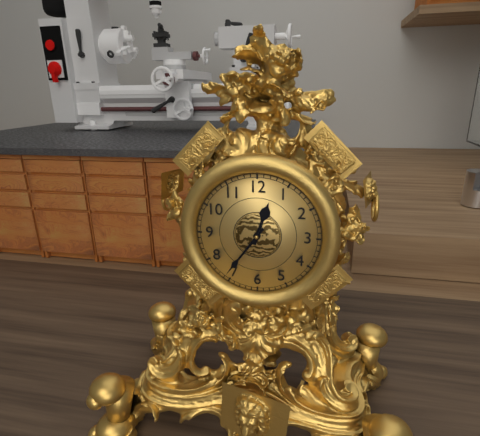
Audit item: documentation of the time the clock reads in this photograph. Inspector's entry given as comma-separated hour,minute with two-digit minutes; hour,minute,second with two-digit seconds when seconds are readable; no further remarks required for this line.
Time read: 12,36
